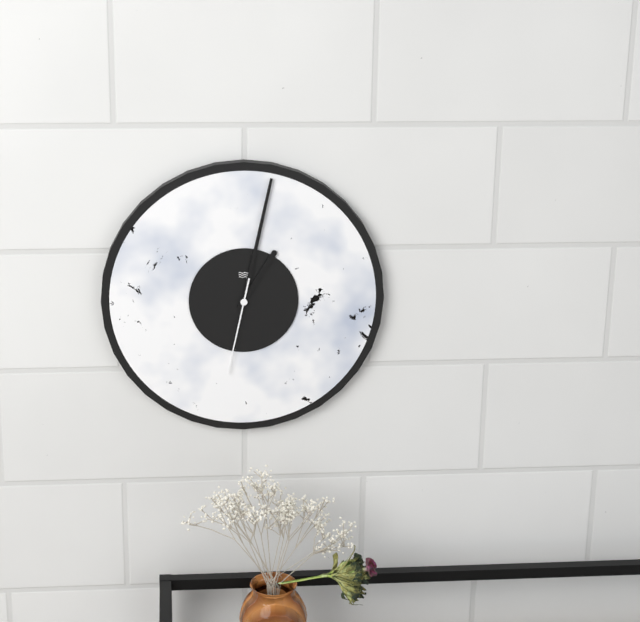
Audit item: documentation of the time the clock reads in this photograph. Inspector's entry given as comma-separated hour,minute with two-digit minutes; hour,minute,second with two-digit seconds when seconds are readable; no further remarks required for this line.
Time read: 1,02,32
